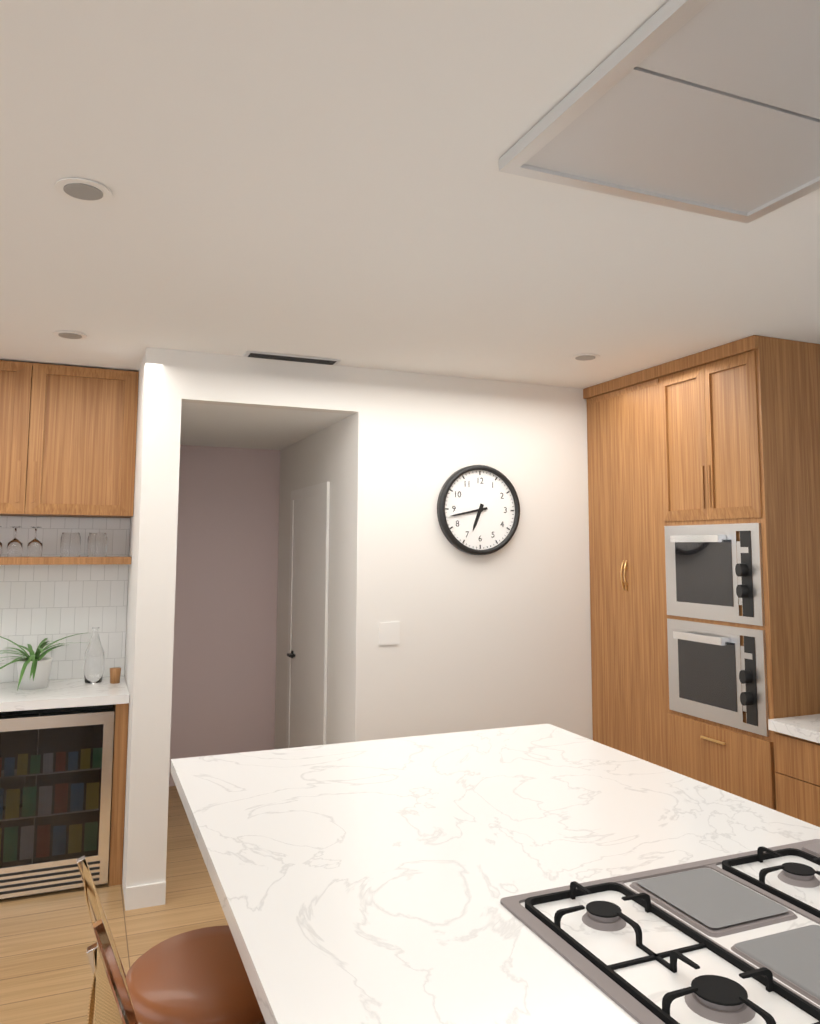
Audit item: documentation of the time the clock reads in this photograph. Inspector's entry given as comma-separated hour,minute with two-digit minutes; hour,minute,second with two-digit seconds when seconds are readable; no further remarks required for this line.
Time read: 6,43
